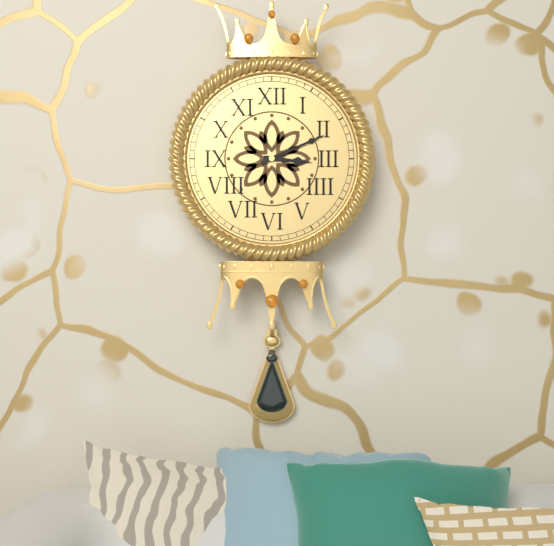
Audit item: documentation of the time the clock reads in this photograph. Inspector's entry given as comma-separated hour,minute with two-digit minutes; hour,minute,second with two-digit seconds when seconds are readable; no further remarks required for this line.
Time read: 3,11
